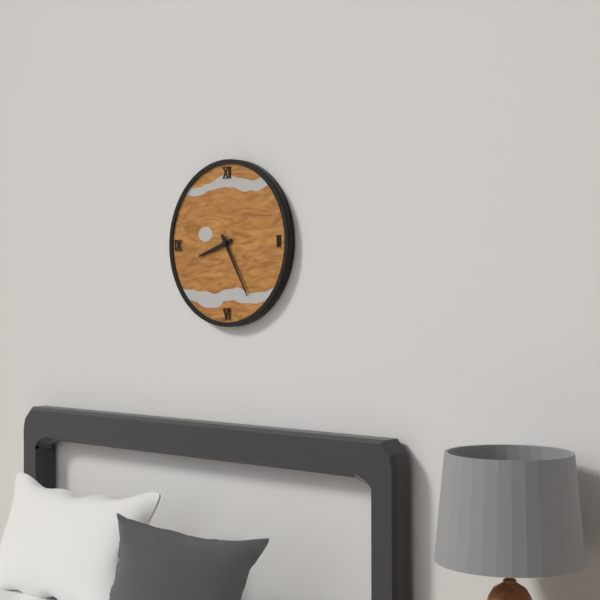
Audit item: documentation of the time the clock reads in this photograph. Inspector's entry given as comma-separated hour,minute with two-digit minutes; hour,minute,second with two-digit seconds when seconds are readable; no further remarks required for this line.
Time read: 8,25
